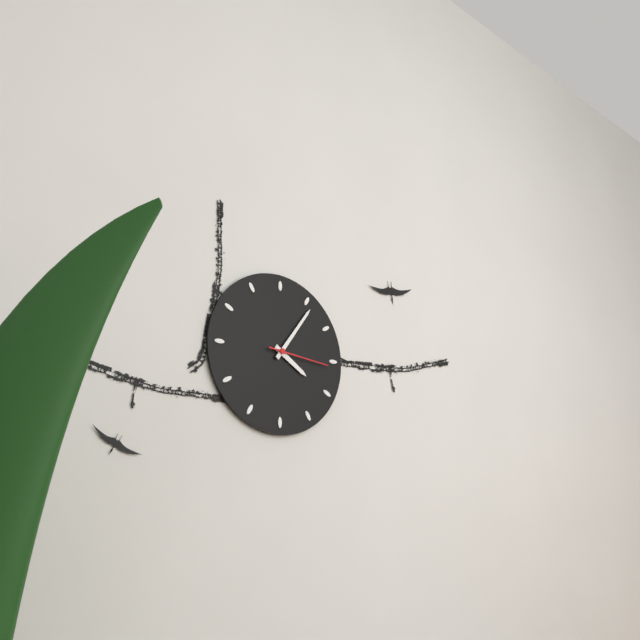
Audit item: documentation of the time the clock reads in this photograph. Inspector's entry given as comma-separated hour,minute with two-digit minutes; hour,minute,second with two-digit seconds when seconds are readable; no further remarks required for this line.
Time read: 4,06,16
